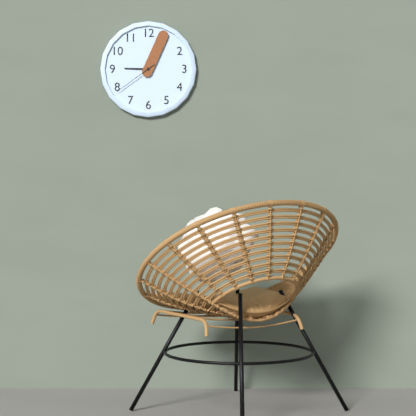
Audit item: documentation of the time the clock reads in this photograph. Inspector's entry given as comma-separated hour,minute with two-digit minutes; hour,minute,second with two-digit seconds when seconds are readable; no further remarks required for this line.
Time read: 9,04
